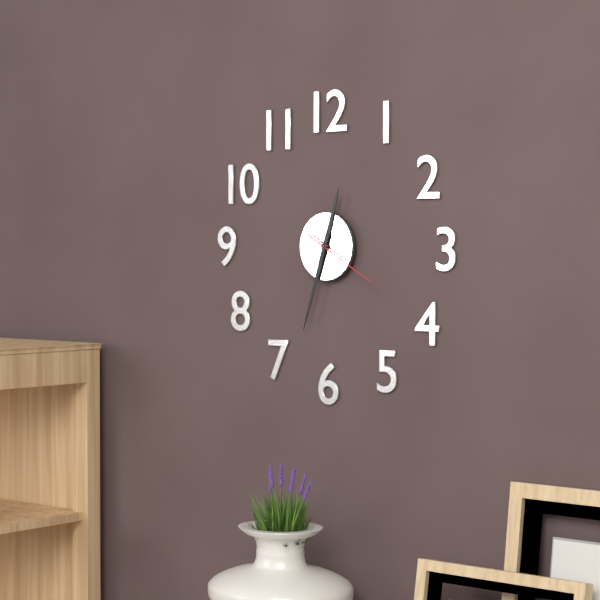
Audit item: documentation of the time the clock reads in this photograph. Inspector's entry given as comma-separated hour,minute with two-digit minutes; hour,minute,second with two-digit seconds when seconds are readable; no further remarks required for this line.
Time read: 12,33,20
